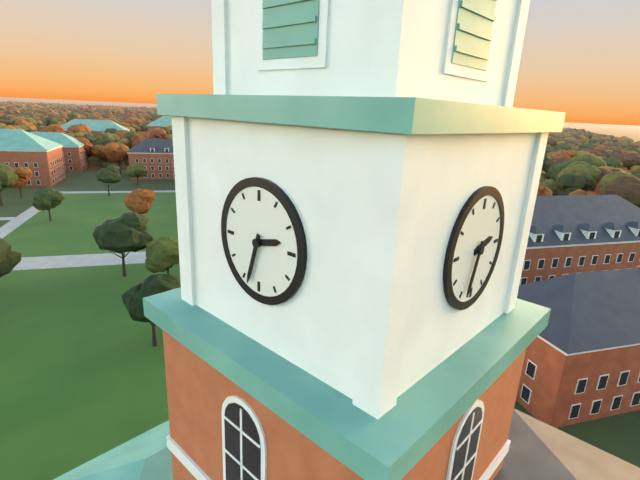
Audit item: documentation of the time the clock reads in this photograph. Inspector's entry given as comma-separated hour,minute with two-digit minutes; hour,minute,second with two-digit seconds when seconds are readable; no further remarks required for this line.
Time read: 2,33
